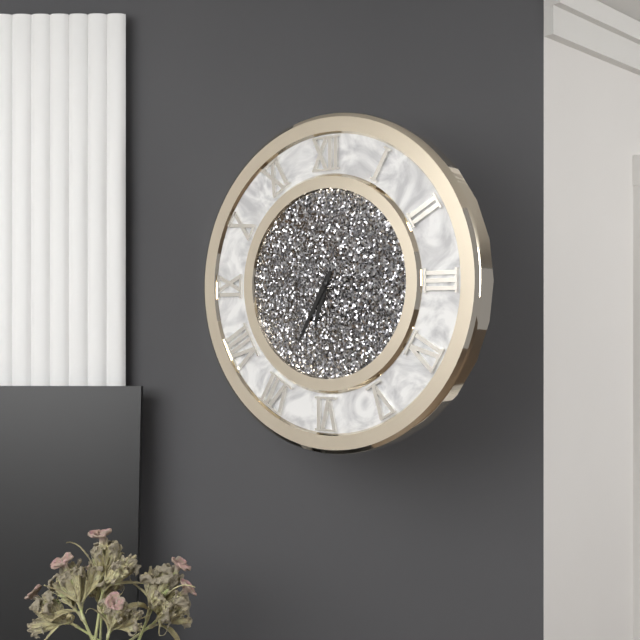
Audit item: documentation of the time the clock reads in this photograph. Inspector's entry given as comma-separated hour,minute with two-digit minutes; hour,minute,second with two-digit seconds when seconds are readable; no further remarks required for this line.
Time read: 6,35
